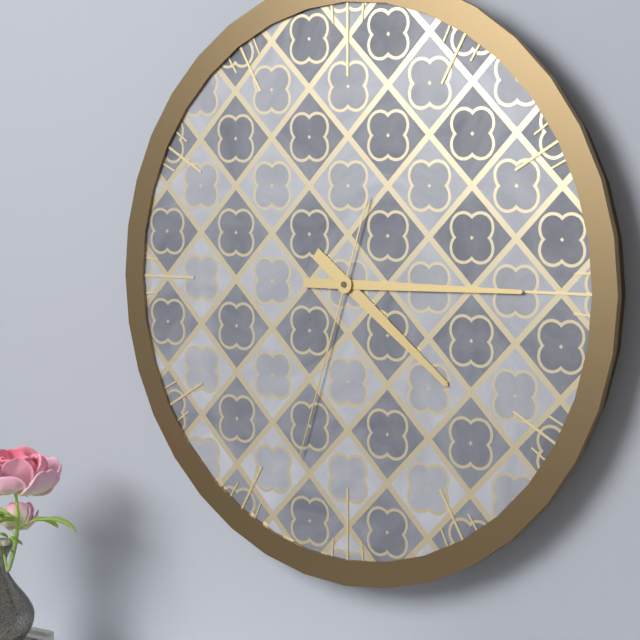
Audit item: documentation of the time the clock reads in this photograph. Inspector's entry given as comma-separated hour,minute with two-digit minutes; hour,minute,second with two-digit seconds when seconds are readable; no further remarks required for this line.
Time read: 4,15,33
